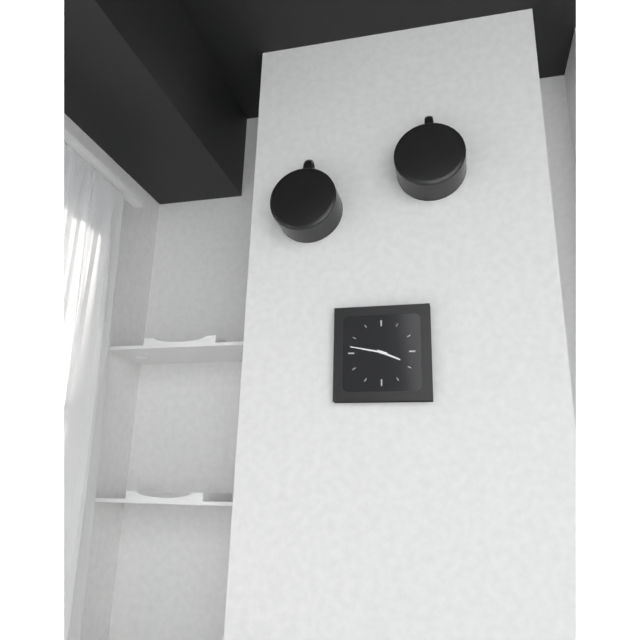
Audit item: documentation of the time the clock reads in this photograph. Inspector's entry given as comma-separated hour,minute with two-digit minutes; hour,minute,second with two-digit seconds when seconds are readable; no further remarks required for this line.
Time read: 3,47
